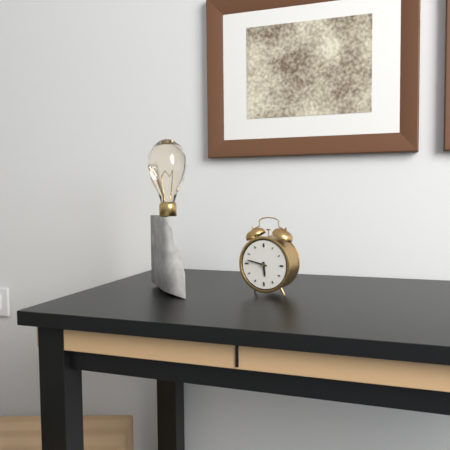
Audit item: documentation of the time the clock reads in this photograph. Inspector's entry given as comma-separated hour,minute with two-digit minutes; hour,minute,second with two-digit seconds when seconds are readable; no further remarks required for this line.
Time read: 5,47
